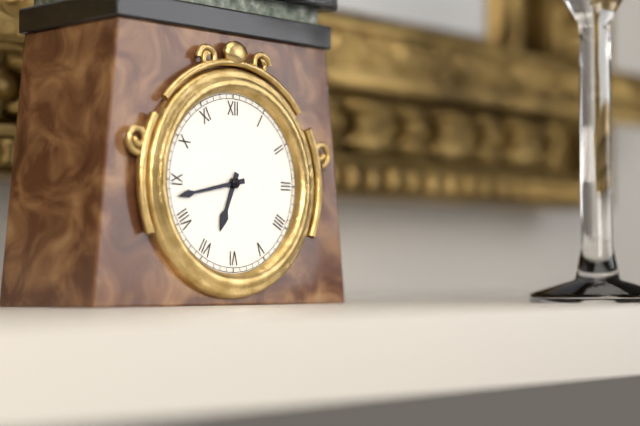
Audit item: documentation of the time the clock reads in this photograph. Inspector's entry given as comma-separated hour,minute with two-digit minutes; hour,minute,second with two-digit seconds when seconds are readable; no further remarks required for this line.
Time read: 6,43
